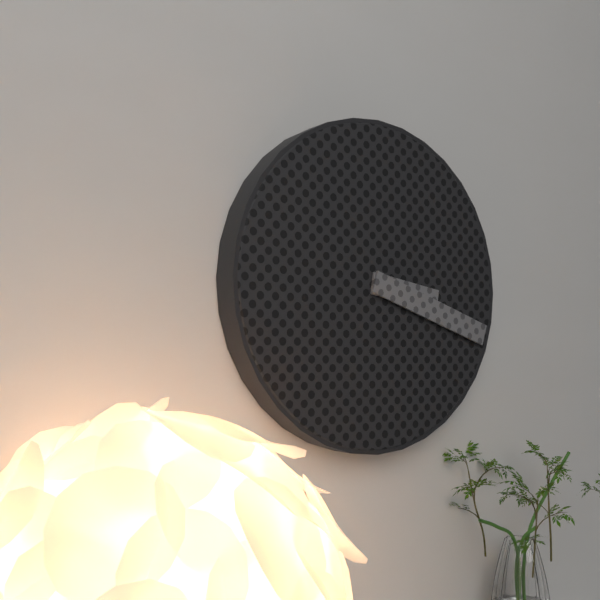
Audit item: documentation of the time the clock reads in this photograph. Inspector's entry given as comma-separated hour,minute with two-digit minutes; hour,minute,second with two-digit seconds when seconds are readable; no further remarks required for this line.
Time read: 3,18
